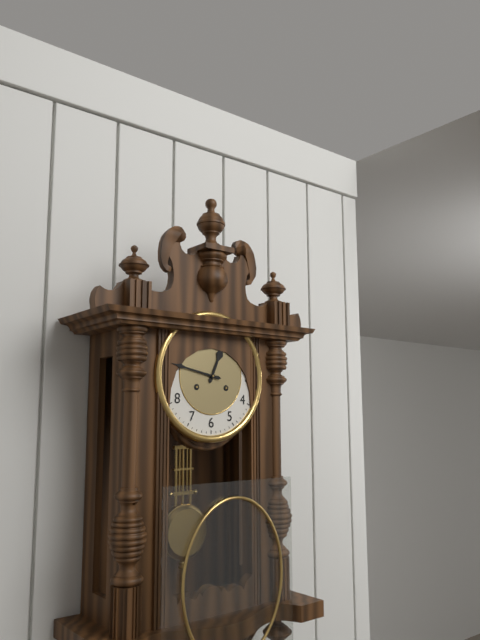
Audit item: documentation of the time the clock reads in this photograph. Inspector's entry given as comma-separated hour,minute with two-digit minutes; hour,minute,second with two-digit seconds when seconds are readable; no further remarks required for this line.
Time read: 12,47
